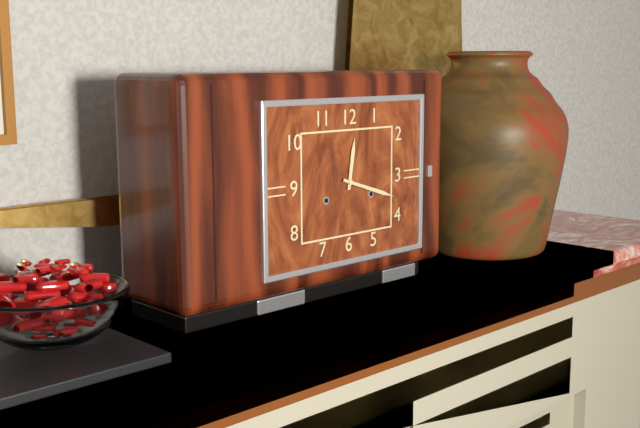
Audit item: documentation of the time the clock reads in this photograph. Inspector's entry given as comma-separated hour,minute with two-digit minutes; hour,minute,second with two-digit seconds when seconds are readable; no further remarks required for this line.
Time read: 12,18
